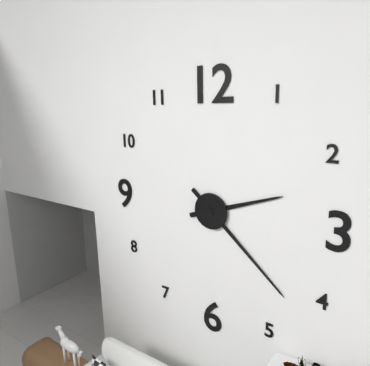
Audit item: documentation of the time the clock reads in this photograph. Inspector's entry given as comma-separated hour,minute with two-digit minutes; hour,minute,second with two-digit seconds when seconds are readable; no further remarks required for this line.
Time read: 2,22
